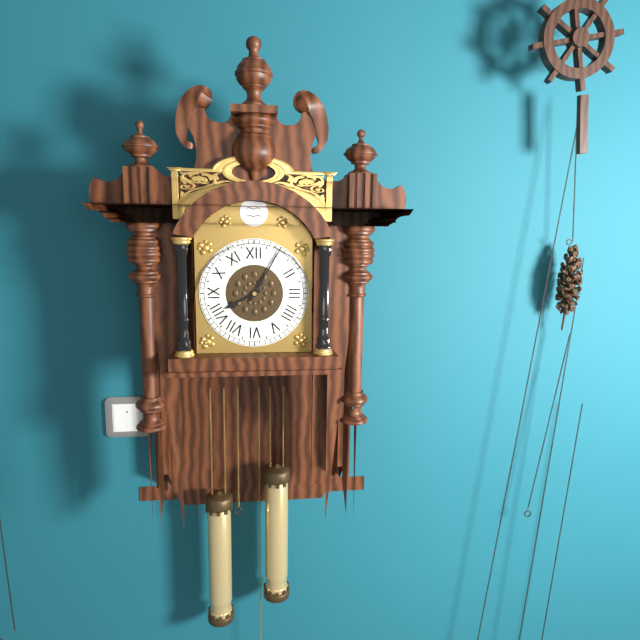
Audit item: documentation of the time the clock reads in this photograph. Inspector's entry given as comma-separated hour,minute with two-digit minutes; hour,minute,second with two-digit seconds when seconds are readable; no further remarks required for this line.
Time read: 8,05
